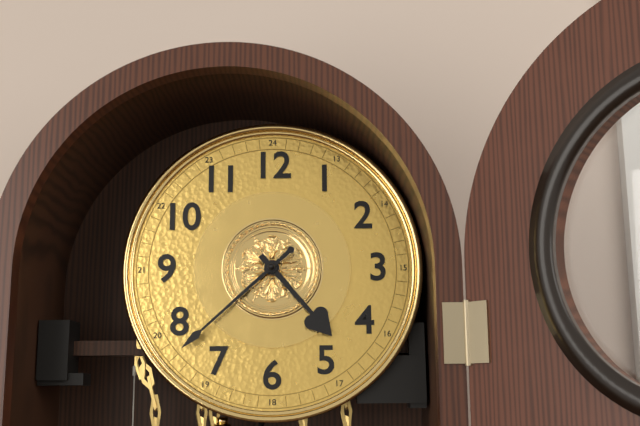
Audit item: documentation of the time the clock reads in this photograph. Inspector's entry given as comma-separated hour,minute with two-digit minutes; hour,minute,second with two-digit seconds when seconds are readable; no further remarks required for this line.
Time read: 4,38
